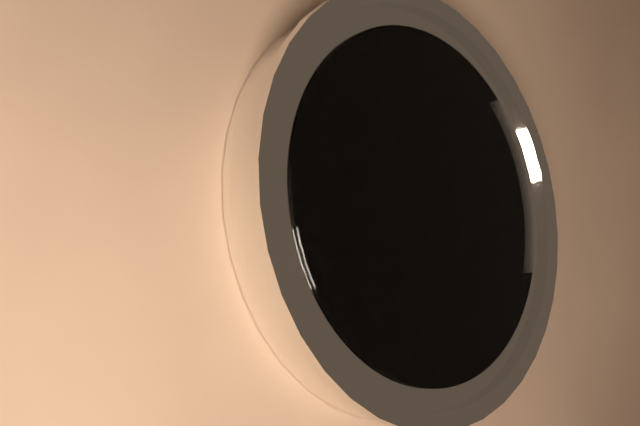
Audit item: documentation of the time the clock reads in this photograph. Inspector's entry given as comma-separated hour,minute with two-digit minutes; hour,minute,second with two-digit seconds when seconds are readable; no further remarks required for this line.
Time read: 2,03,01
